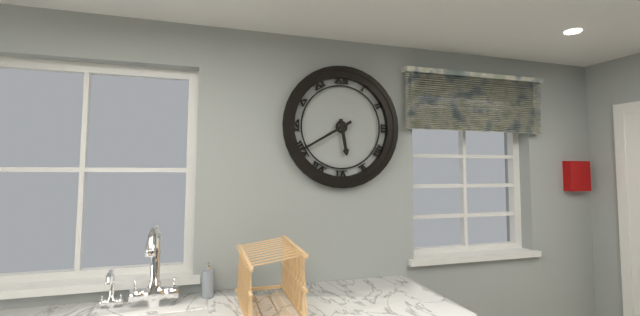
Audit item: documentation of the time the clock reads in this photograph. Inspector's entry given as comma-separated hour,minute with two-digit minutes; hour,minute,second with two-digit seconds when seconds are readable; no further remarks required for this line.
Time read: 5,40
